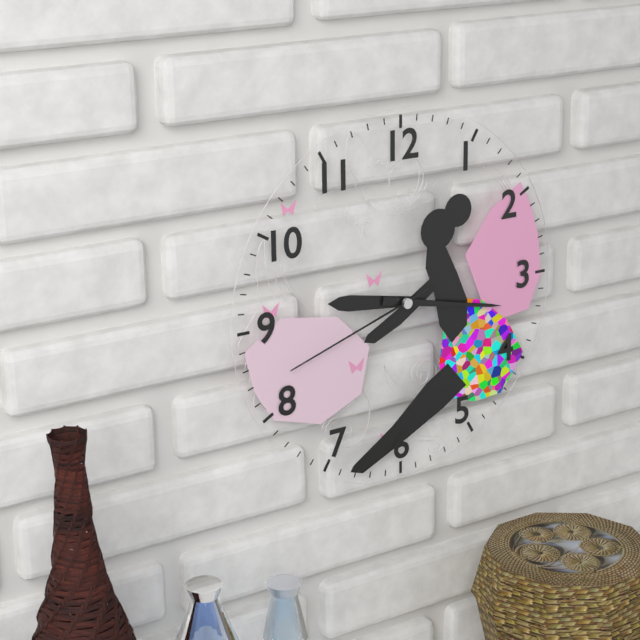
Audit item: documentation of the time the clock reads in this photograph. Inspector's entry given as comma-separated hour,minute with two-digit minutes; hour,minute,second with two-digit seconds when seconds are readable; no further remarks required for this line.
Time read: 9,17,42
